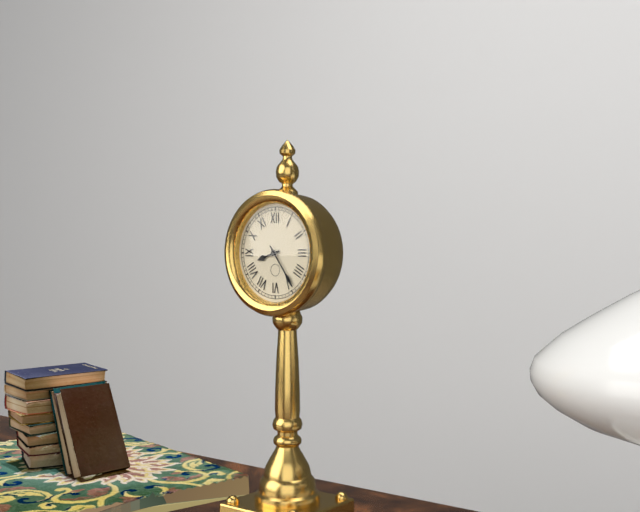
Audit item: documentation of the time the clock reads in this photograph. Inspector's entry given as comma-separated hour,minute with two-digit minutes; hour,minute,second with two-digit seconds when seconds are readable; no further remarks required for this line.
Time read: 8,24
